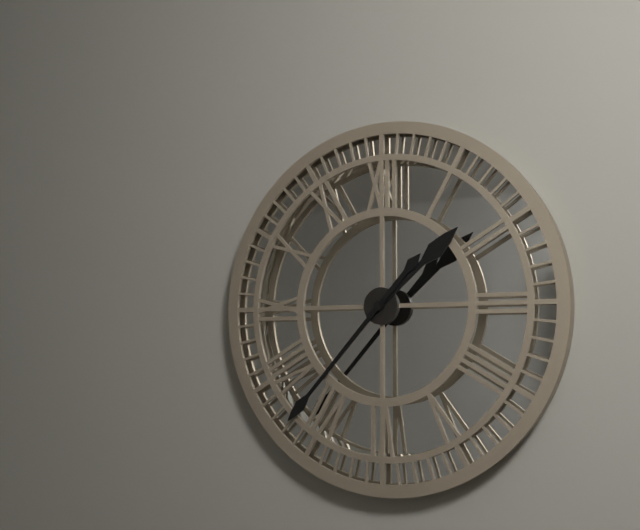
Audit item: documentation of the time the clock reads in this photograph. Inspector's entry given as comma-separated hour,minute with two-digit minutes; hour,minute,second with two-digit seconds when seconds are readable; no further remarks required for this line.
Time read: 1,37
